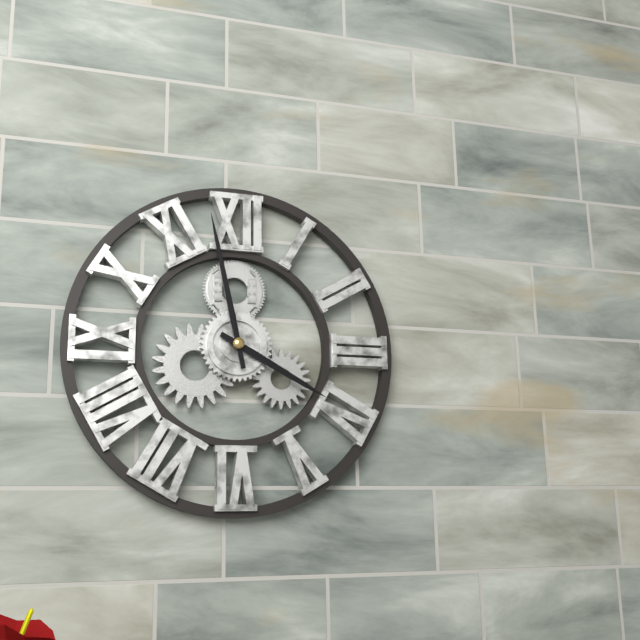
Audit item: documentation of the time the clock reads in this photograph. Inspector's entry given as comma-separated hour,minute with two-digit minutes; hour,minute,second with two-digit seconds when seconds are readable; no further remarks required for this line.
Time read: 3,58
